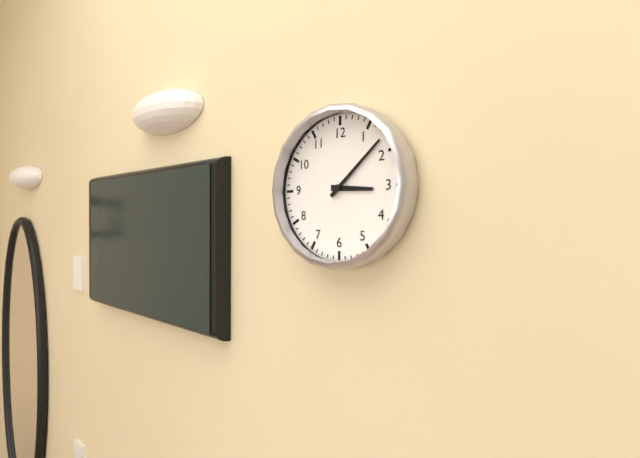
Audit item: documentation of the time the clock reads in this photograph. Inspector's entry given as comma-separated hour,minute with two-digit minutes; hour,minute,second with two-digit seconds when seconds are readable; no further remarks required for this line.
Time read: 3,08
